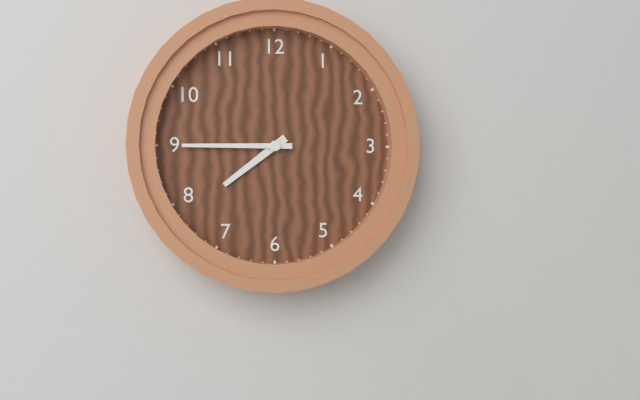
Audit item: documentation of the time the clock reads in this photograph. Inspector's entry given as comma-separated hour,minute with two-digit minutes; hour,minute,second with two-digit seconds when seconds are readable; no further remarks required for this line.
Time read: 7,45
